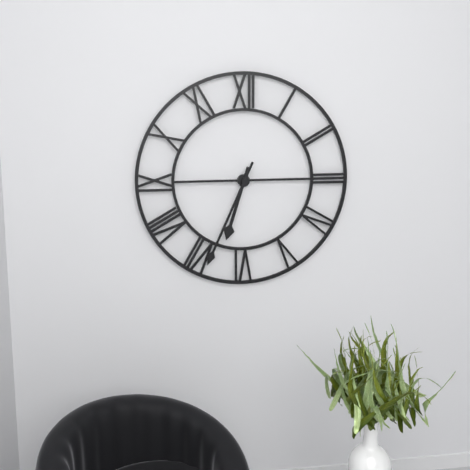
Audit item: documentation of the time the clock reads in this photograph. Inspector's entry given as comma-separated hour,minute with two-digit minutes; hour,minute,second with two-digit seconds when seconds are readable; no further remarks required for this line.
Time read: 6,34
